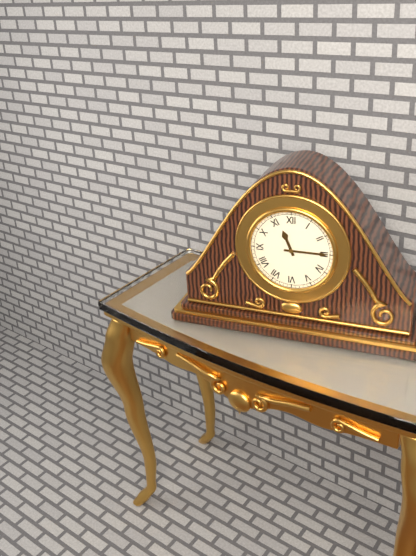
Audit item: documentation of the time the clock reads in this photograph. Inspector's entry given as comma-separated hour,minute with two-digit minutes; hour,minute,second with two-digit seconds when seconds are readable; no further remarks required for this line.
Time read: 11,15
